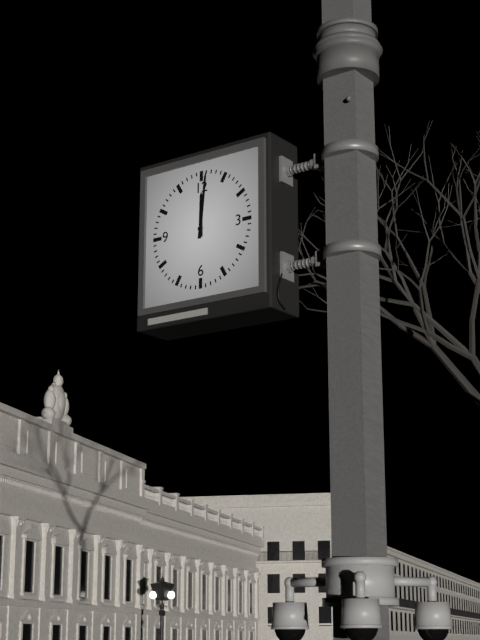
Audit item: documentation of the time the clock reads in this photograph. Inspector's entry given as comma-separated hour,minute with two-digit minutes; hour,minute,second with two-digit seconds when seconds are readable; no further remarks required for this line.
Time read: 12,01
